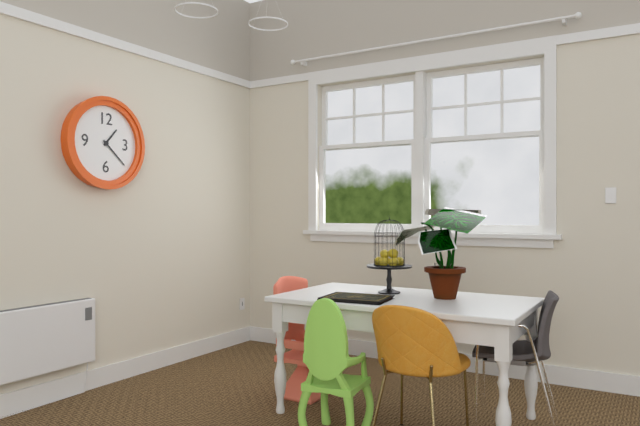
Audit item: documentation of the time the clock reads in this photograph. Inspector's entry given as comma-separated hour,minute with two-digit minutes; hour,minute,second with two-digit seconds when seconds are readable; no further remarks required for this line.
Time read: 1,22
